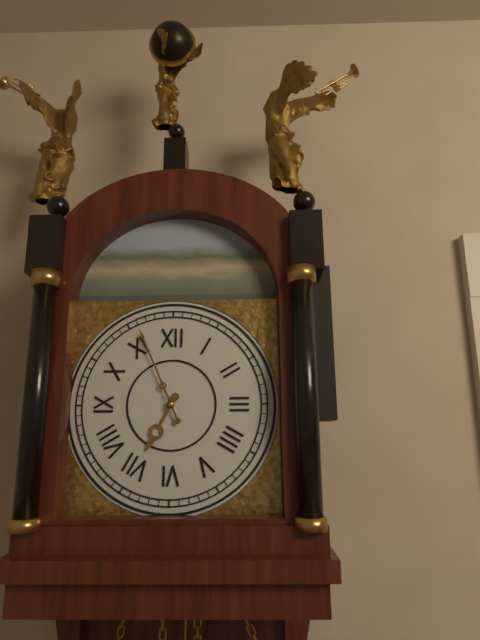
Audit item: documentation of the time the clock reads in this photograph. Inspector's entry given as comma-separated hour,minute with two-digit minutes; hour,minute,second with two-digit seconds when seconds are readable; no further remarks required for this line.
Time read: 6,56
